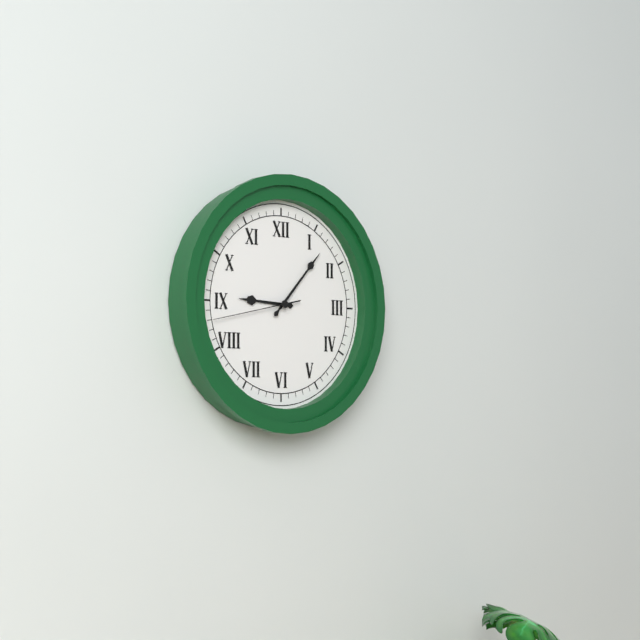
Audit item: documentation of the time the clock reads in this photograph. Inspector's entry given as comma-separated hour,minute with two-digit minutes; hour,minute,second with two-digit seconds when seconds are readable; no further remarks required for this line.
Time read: 9,07,43
